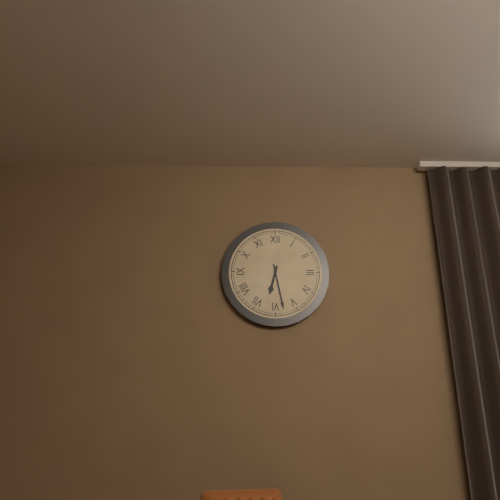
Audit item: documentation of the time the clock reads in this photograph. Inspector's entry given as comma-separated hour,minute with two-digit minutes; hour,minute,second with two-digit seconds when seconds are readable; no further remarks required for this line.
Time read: 6,28
